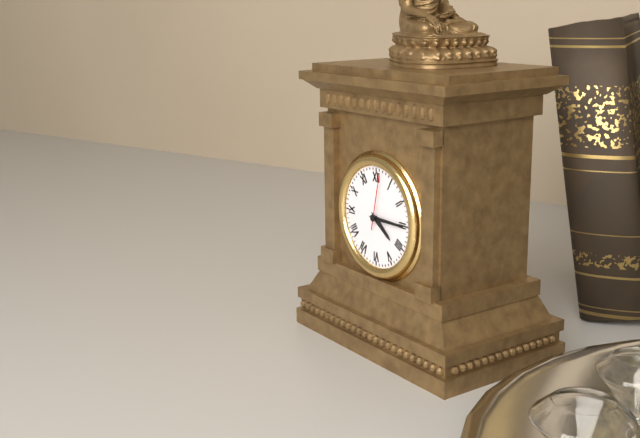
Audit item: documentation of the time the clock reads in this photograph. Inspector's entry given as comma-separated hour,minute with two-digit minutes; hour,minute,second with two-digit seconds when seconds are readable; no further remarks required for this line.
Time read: 4,15,02
